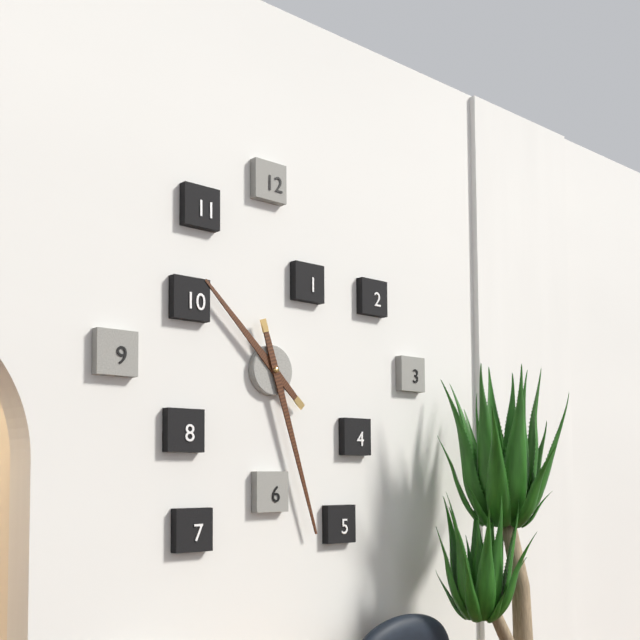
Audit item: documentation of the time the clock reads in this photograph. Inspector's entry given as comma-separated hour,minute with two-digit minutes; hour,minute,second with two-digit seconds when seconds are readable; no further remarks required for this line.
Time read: 10,27
